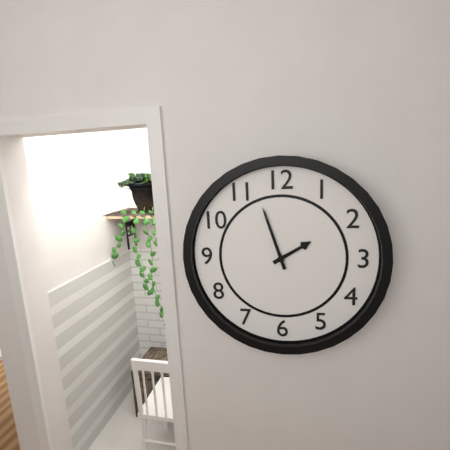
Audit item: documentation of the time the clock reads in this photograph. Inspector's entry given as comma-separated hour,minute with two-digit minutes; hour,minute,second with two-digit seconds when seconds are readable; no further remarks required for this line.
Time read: 1,57
